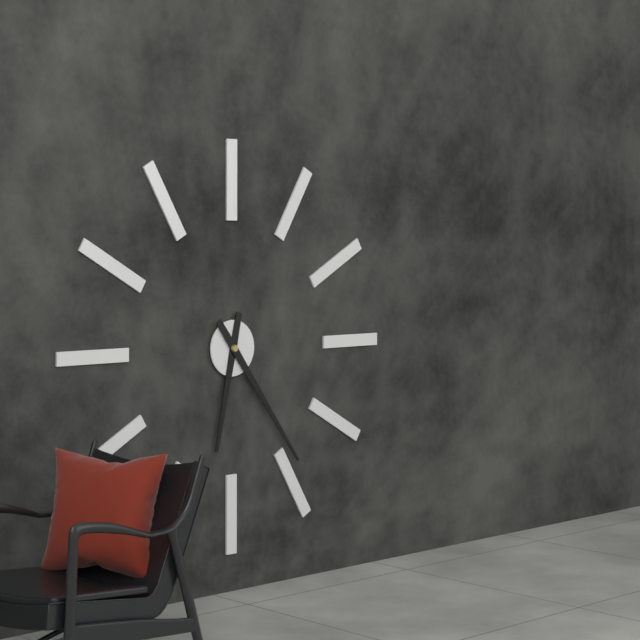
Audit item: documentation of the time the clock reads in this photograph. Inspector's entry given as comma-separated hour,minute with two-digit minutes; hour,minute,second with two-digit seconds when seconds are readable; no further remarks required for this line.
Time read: 6,24
